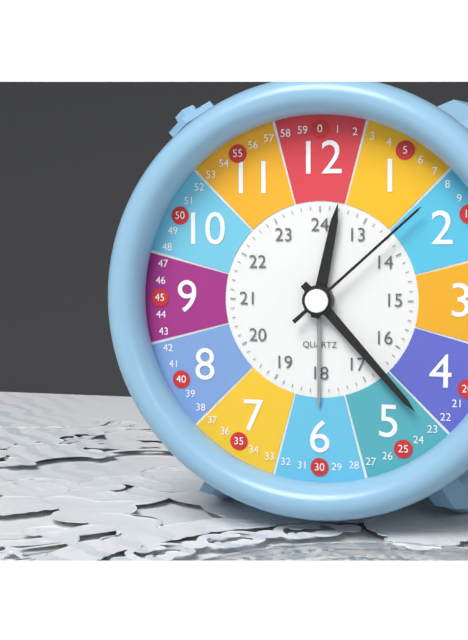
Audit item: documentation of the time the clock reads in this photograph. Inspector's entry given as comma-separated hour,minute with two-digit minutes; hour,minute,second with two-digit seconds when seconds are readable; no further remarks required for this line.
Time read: 12,23,08
